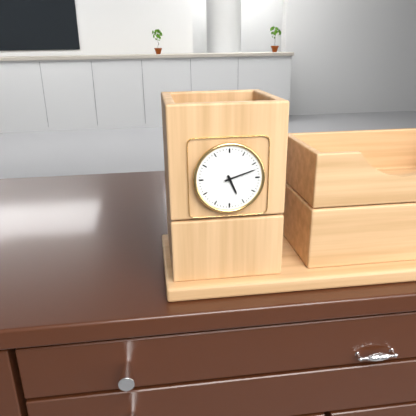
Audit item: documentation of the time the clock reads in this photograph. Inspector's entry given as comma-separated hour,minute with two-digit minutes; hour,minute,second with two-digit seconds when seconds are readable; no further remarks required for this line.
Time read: 5,12
